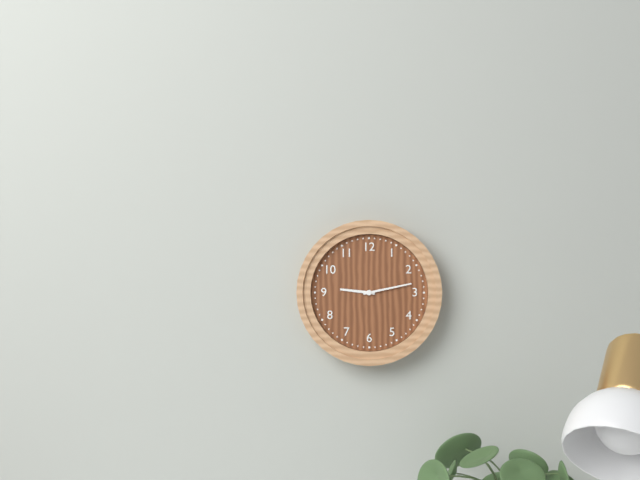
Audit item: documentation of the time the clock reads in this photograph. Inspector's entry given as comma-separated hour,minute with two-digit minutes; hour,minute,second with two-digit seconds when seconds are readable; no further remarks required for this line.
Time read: 9,13
